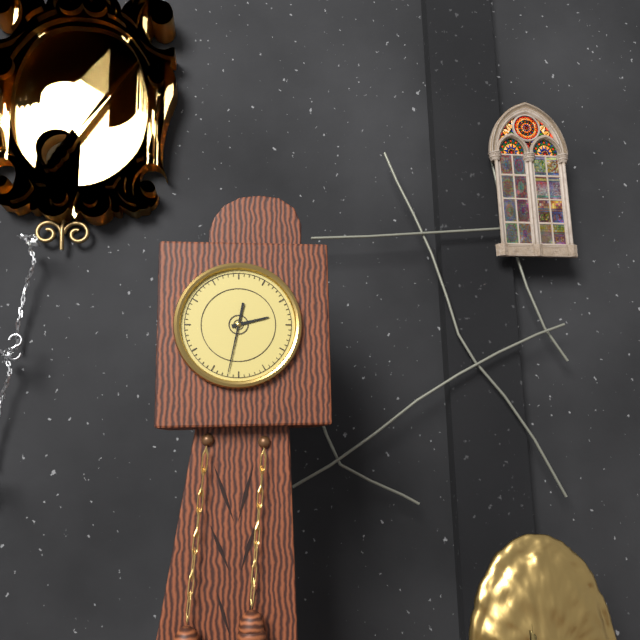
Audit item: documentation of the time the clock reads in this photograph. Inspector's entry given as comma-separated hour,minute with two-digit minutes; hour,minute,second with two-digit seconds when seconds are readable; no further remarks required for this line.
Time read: 2,32
